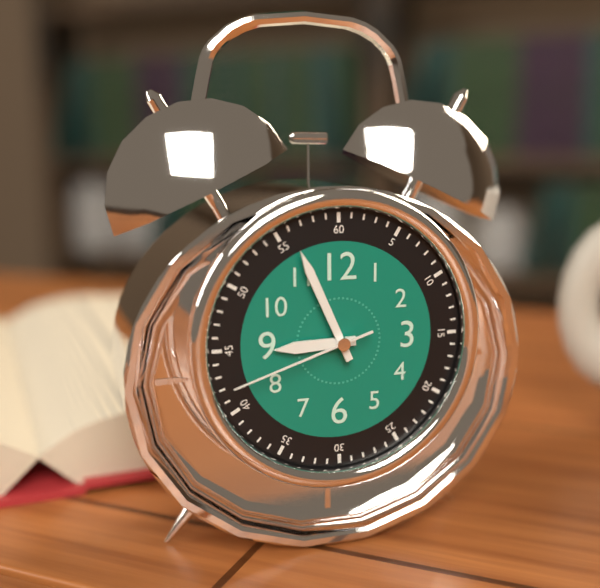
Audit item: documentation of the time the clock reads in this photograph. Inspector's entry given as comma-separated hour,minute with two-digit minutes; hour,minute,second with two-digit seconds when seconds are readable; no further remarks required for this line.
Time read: 8,56,42
